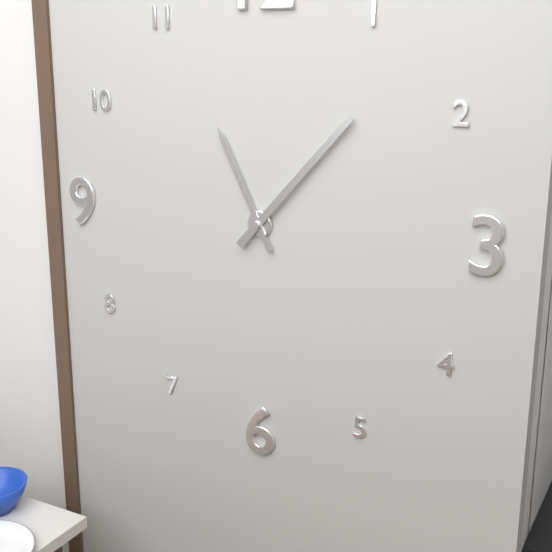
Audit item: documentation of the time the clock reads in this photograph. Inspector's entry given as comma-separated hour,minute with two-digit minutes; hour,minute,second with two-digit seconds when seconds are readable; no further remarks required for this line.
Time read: 11,07
